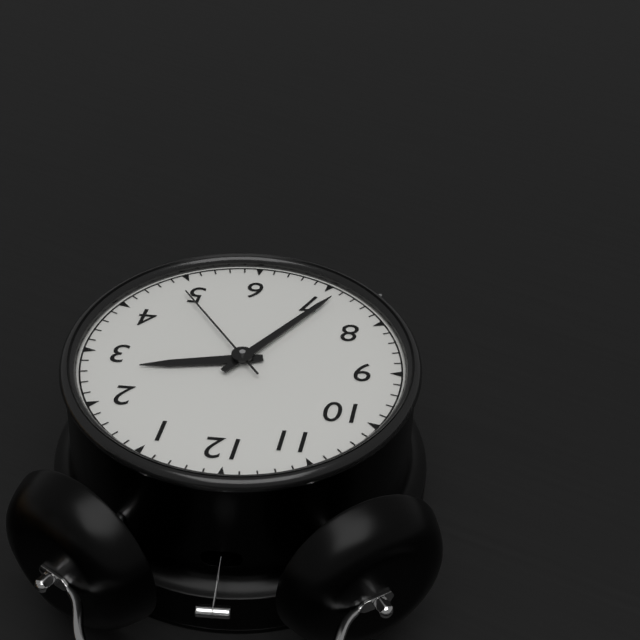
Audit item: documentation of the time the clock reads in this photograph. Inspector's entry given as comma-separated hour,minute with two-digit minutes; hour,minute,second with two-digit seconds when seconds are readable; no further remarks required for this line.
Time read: 2,36,24
